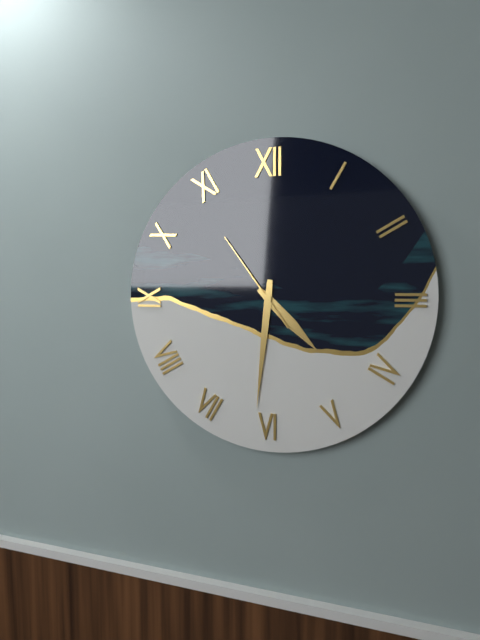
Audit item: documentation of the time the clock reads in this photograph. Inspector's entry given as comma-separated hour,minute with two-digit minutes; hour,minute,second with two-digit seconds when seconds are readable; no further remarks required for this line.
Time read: 4,31,54
